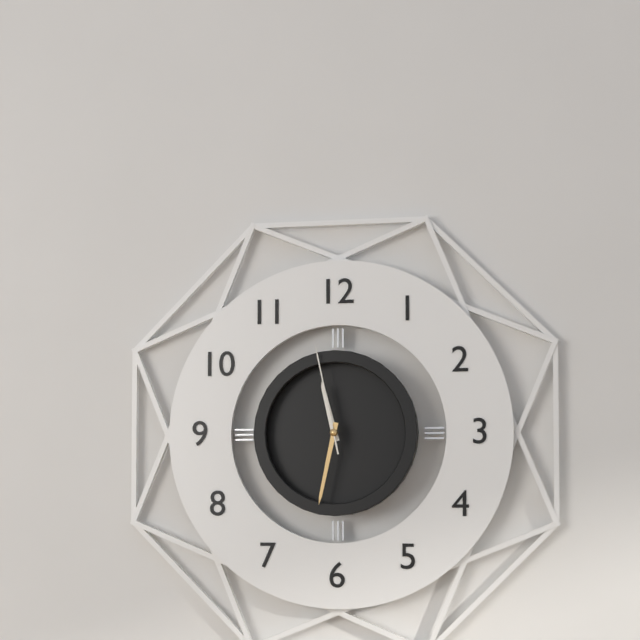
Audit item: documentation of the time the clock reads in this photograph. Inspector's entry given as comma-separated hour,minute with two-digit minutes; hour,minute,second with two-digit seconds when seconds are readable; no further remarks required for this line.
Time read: 11,32,58
